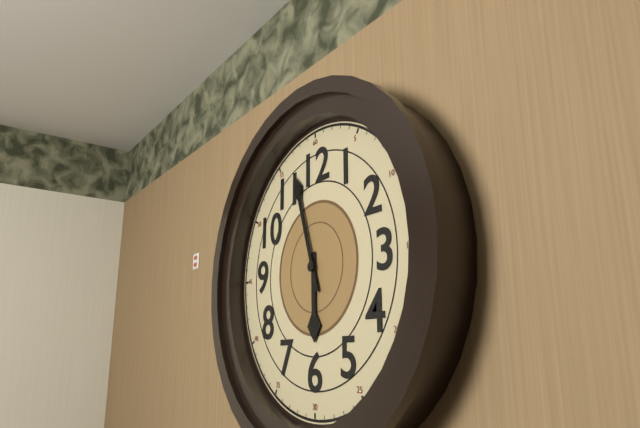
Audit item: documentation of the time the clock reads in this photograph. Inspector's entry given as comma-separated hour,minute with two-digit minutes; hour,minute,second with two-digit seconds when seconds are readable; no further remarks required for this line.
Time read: 5,57
